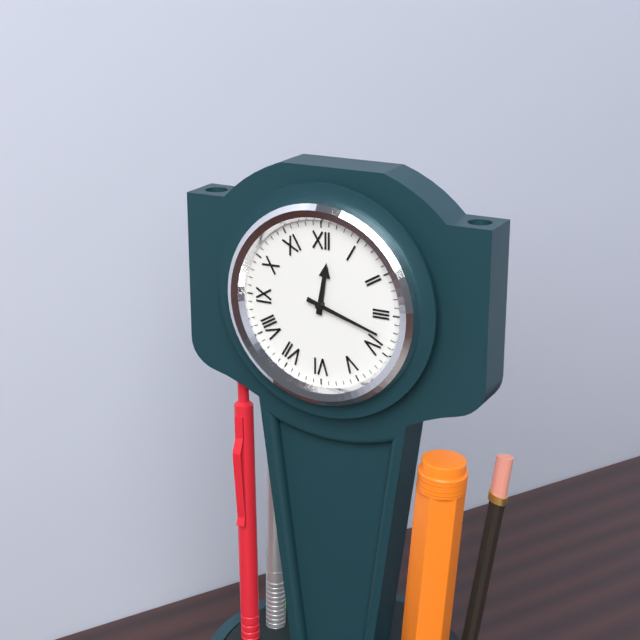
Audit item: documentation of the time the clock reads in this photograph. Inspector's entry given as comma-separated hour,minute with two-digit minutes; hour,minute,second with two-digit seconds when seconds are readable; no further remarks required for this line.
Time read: 12,18
